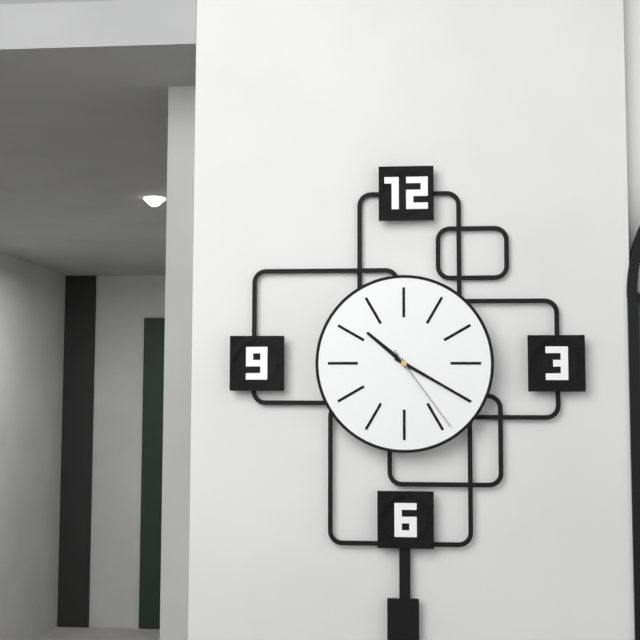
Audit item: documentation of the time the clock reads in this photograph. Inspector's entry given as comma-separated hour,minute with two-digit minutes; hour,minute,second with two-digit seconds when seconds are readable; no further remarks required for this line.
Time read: 10,20,24
